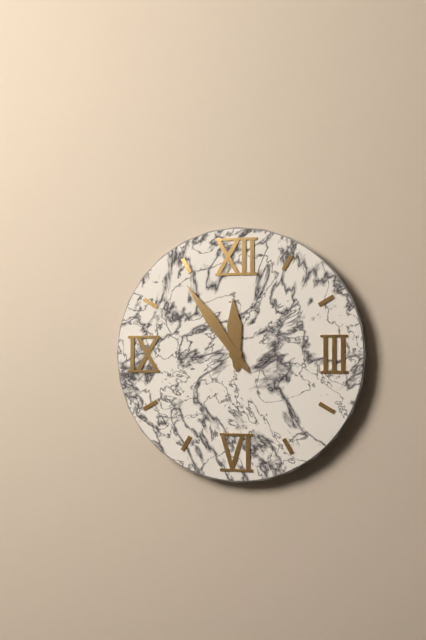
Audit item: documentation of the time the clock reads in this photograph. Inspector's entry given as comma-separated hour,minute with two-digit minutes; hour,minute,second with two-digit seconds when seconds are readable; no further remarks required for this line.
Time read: 11,54
